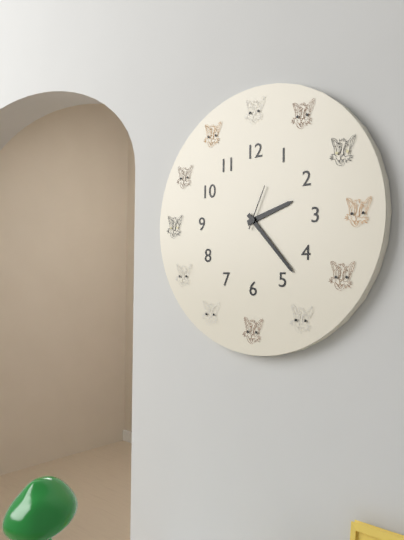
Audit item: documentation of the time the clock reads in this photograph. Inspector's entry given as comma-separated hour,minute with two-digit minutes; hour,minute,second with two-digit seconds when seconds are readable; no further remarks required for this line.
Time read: 2,23
